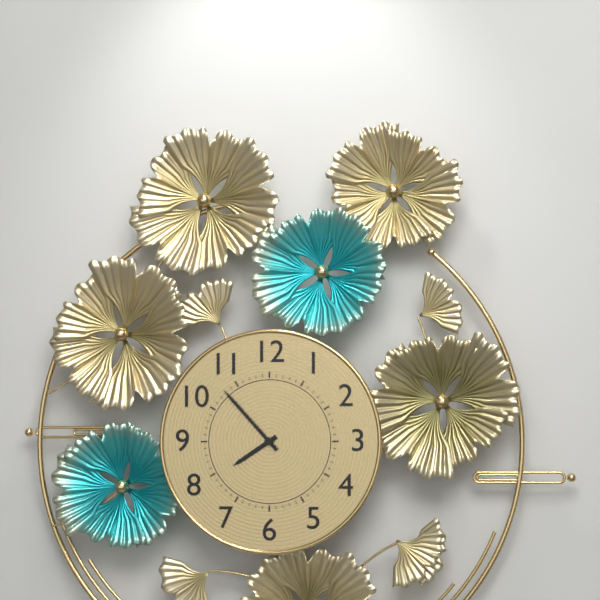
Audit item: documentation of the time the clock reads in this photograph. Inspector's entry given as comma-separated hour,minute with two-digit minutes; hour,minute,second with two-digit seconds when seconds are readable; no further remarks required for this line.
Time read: 7,53
